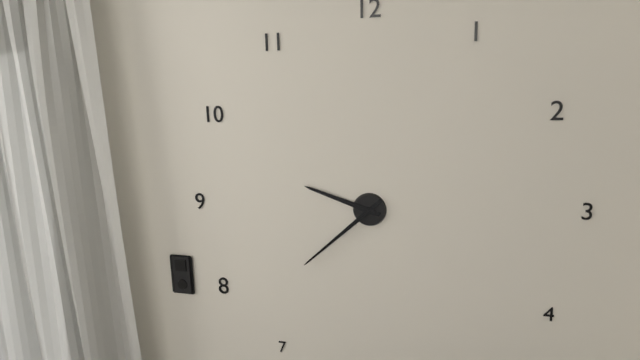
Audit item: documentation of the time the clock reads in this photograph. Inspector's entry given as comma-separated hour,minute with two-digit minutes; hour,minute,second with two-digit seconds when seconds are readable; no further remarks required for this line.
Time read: 9,38
